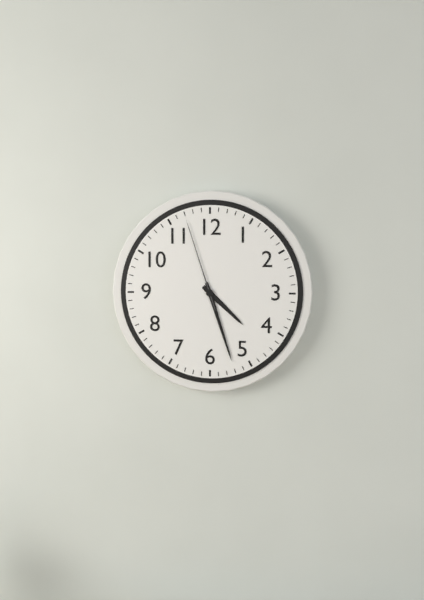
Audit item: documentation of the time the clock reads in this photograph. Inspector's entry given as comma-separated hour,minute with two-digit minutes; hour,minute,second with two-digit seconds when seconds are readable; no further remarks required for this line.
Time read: 4,27,57
